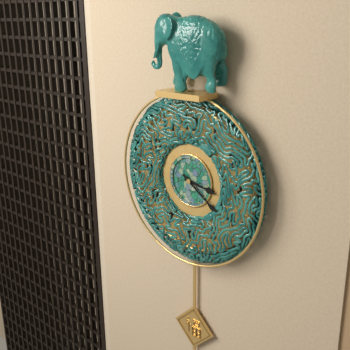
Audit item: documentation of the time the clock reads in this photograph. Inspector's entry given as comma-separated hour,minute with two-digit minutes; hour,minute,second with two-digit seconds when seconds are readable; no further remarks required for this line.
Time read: 3,21
